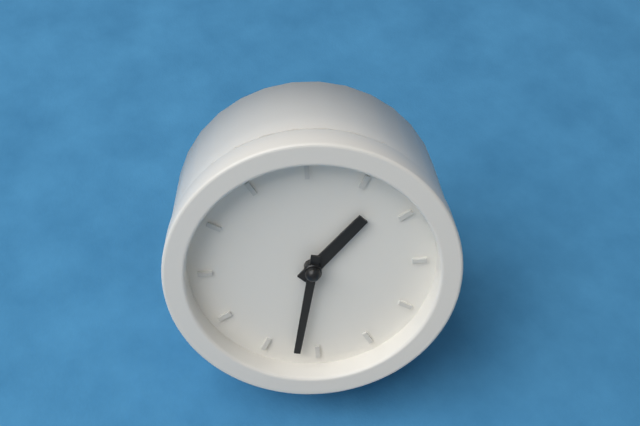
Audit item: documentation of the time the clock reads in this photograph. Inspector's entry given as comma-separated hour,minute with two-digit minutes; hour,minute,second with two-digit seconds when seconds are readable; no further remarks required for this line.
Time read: 12,27
